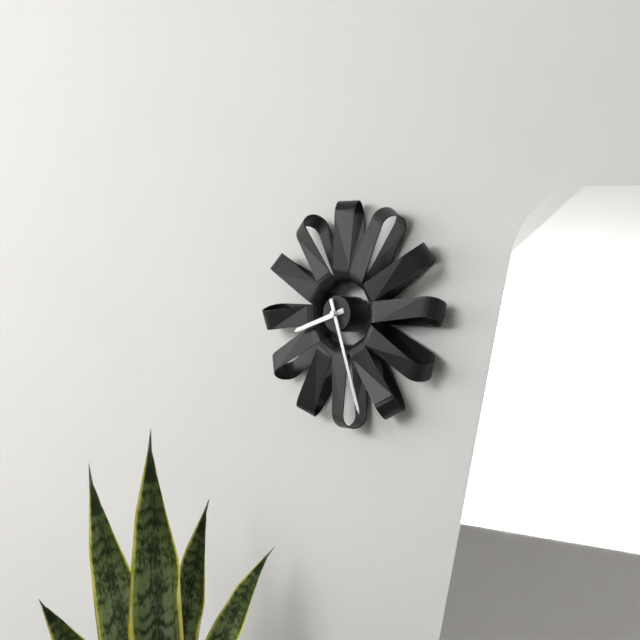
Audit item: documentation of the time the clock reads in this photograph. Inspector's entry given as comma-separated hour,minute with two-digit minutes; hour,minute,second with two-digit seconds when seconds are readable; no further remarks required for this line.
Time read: 8,27
